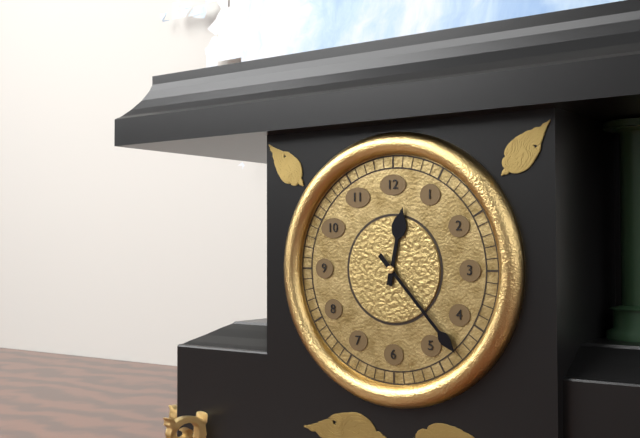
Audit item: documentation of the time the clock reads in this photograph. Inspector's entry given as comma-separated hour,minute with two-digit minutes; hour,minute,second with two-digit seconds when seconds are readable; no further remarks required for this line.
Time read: 12,23
